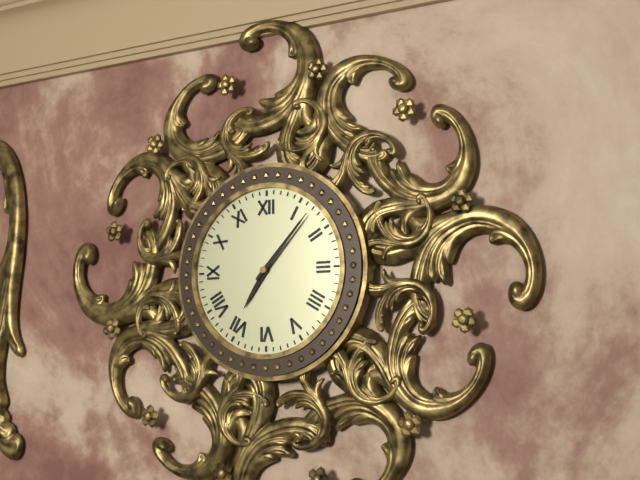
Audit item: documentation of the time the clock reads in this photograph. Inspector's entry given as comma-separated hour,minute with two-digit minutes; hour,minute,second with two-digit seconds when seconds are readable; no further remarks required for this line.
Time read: 7,07
